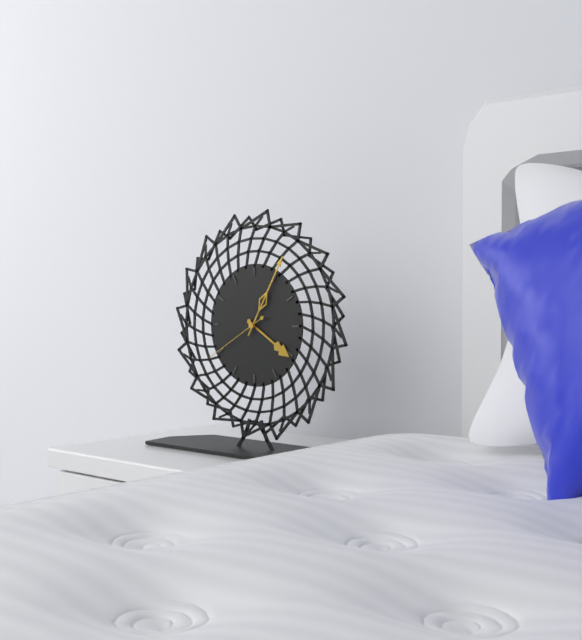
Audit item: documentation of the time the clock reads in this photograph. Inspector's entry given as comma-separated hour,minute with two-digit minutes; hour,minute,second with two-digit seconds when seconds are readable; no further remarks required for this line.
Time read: 4,05,40
